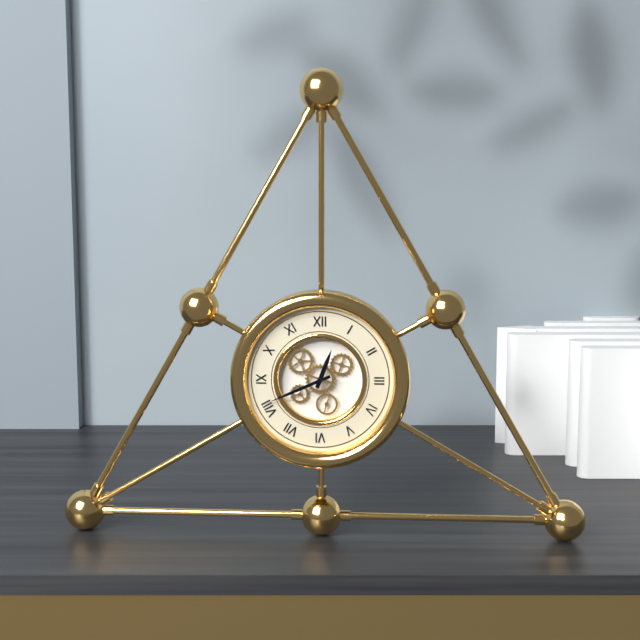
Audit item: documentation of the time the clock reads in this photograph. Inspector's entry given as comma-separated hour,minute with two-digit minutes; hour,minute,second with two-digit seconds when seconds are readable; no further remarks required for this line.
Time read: 12,41
